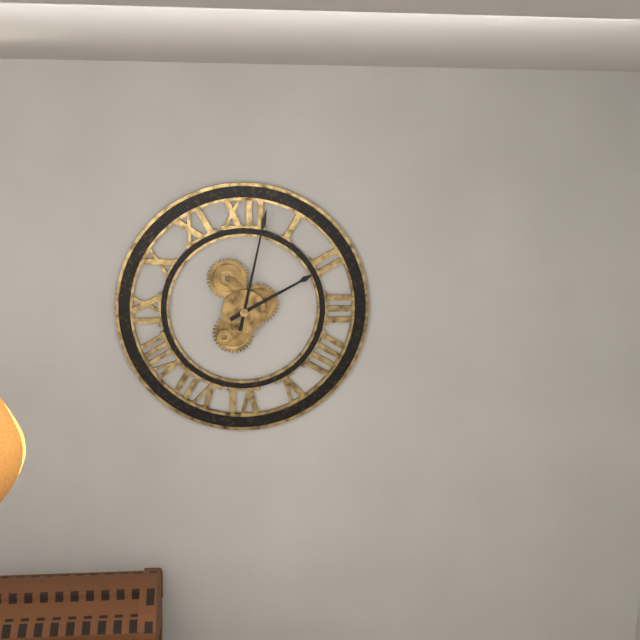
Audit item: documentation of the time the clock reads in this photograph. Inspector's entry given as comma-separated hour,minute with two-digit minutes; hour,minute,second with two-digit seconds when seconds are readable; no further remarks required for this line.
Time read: 2,02
